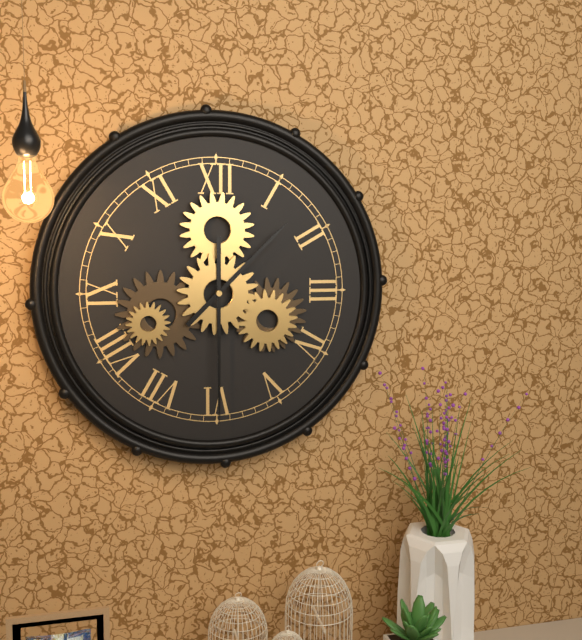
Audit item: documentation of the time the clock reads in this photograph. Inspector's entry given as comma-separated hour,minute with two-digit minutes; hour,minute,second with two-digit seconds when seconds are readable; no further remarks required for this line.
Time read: 1,30
